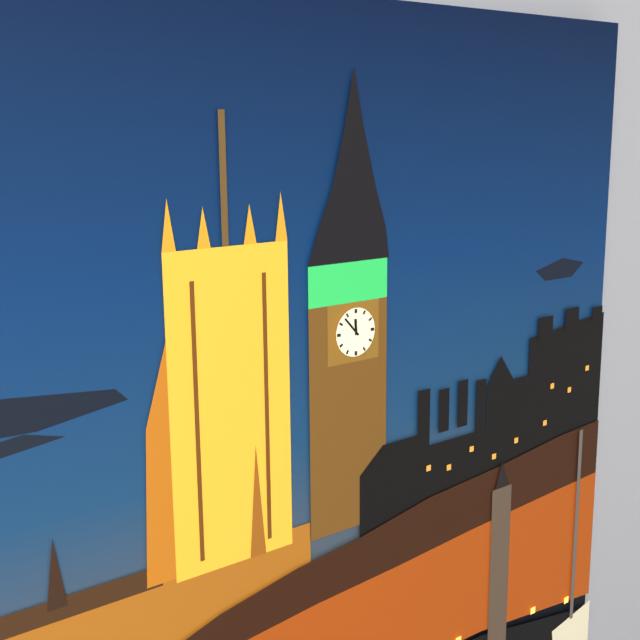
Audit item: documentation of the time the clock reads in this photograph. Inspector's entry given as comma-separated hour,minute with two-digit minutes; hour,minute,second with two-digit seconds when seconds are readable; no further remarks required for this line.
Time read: 11,53
